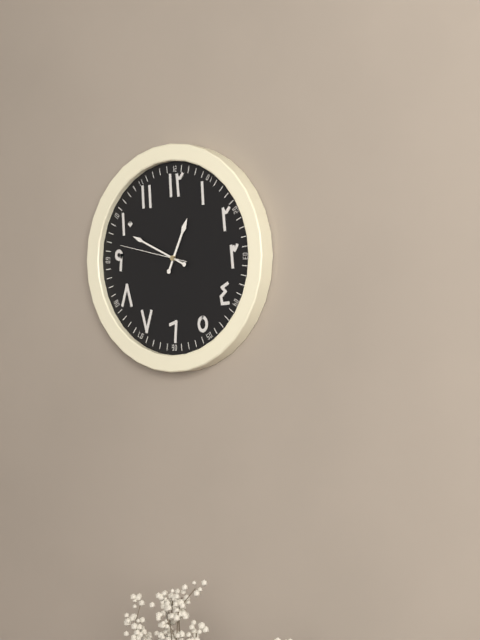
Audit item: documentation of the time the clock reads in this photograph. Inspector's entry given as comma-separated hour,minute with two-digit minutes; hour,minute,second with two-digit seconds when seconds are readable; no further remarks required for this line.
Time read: 12,49,47
